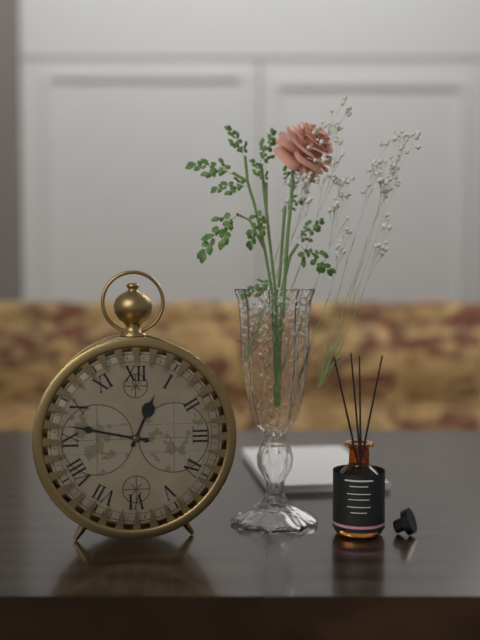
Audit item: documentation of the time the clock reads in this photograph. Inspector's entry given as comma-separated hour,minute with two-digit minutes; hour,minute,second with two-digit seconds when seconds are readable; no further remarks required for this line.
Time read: 12,47
